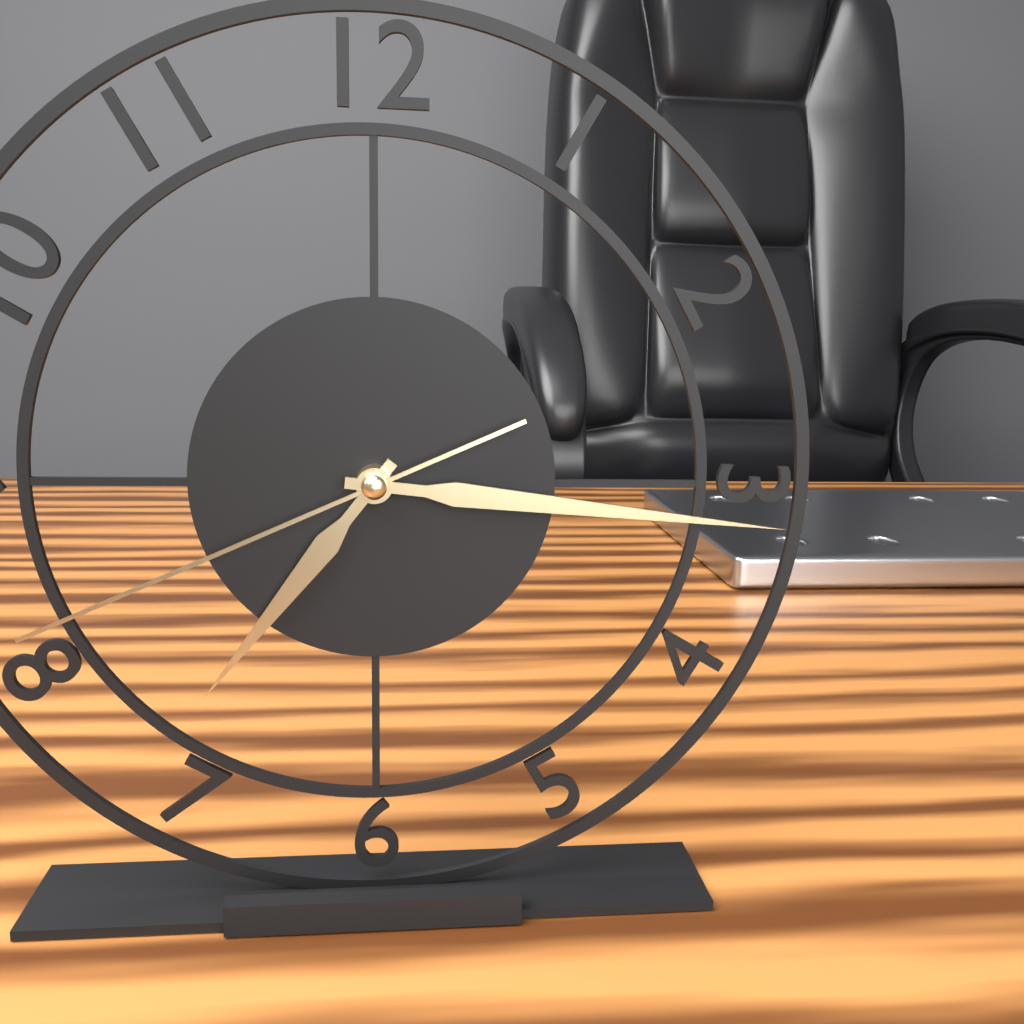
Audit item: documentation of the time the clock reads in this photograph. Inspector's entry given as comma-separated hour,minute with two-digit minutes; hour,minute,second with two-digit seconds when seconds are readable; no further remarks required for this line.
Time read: 7,16,41
